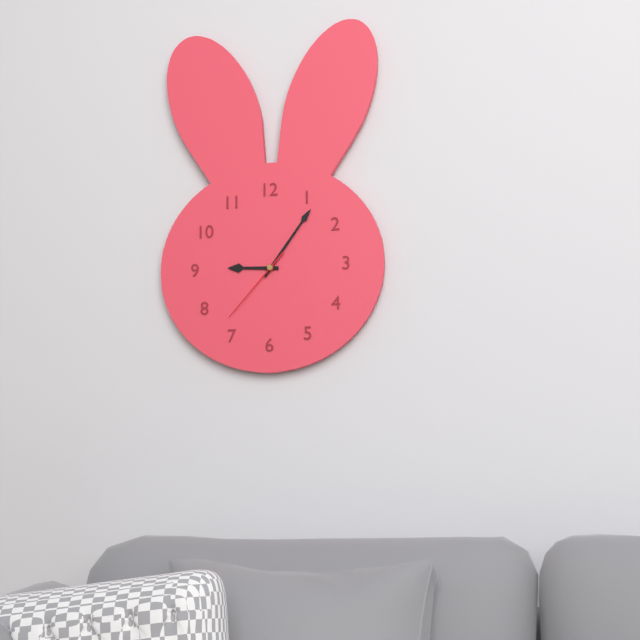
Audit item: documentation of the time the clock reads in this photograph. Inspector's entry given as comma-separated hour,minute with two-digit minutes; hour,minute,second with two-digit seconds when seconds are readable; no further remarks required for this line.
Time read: 9,06,37
